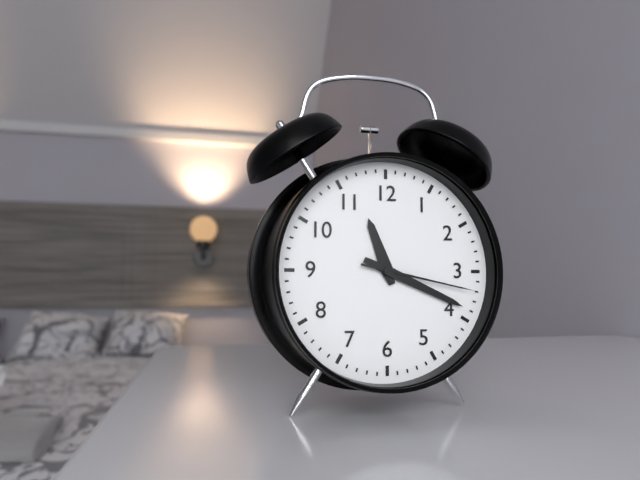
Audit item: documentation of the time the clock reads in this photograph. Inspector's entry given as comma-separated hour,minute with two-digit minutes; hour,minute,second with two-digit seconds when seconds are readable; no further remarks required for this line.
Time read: 11,19,17
